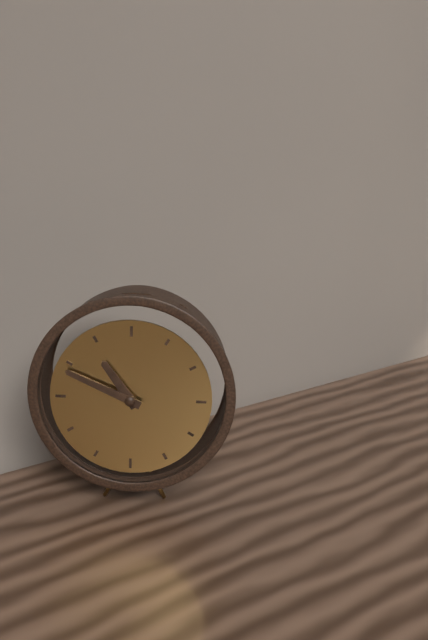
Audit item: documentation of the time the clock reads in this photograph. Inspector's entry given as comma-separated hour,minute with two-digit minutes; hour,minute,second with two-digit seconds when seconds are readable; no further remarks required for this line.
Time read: 10,49
